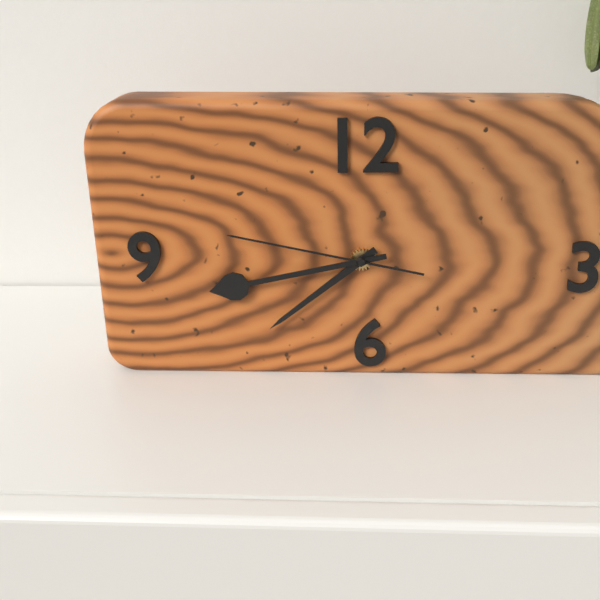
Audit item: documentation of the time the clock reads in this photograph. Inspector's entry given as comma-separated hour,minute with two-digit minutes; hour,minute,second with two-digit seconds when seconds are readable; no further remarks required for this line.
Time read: 7,43,47
